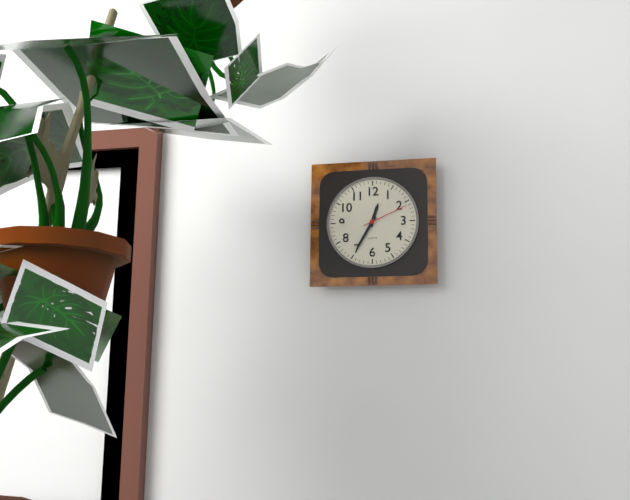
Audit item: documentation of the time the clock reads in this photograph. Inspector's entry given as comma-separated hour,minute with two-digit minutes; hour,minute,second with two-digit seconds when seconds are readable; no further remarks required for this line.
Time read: 12,35
